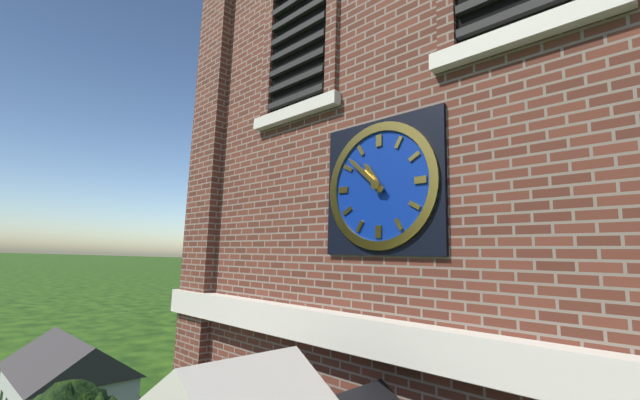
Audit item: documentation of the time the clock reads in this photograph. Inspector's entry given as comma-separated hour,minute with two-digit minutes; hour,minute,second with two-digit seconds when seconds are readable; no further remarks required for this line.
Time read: 10,52
